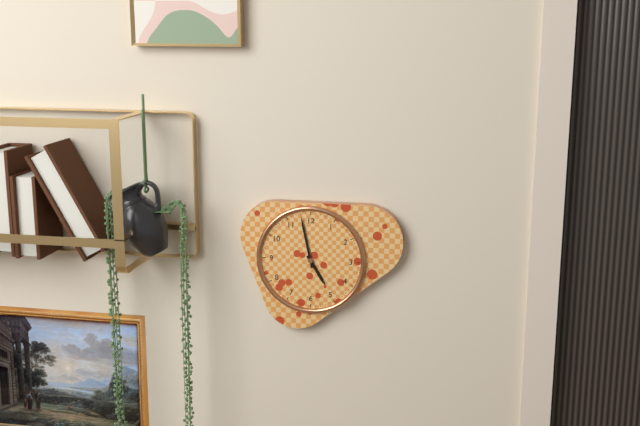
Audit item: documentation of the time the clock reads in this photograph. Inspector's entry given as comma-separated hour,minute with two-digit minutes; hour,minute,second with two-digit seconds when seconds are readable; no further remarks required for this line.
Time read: 4,58
